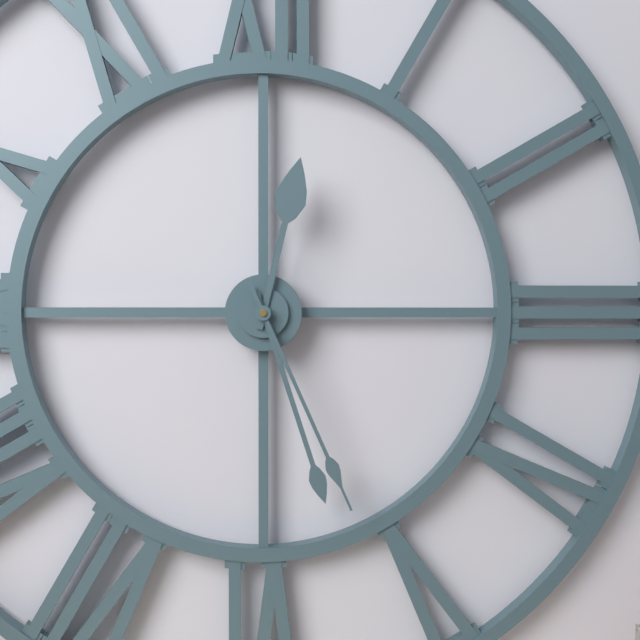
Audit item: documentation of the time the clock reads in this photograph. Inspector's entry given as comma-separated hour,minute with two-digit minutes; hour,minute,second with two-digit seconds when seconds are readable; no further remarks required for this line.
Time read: 12,27,26
